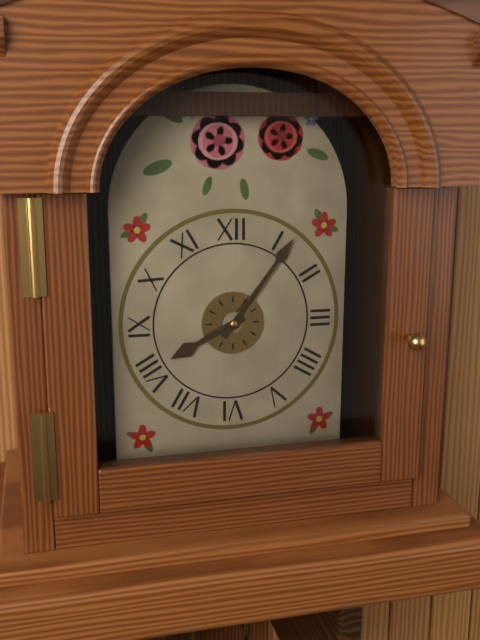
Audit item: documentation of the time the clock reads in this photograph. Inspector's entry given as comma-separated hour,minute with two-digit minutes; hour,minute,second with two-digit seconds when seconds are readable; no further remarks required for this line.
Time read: 8,06
